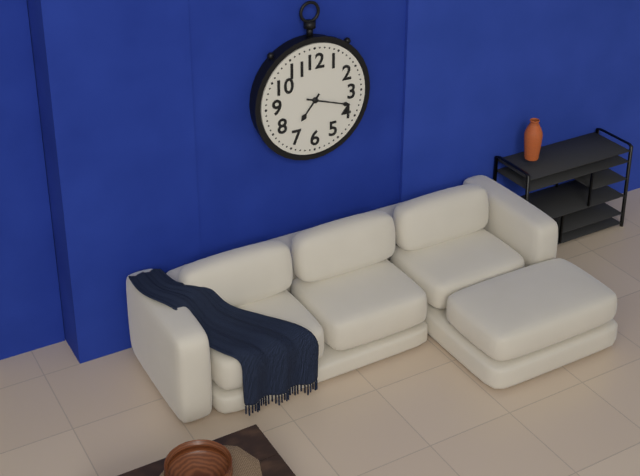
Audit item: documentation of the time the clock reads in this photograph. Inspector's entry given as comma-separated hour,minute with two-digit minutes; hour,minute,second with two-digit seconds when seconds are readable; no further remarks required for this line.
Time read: 7,18
